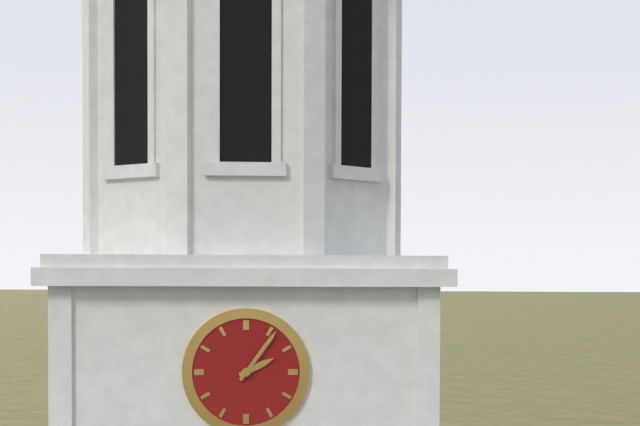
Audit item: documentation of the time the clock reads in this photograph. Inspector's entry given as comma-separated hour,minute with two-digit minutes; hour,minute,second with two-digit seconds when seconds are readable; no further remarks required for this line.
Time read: 2,06
